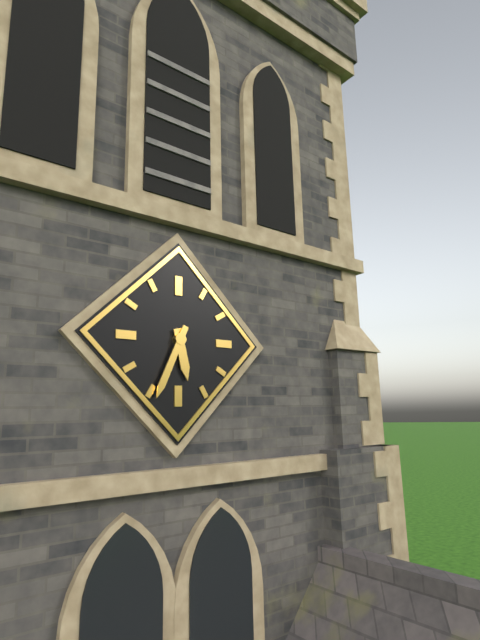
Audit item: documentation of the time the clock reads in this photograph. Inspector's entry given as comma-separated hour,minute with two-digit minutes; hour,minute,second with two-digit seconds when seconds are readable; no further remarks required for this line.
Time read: 5,34
